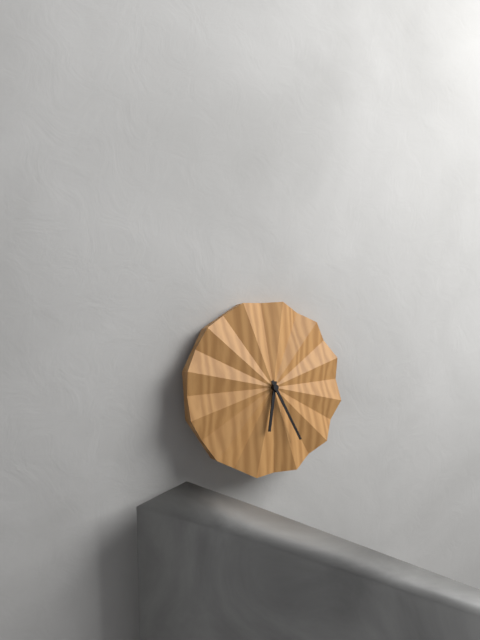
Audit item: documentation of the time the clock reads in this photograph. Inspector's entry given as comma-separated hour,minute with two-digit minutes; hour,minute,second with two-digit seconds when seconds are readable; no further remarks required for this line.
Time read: 6,26
